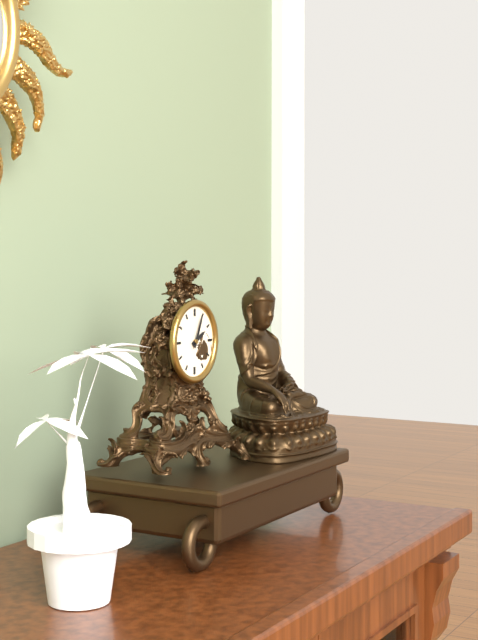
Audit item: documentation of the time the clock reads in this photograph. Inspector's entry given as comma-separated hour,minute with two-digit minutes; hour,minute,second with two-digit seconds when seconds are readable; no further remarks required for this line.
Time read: 2,04
